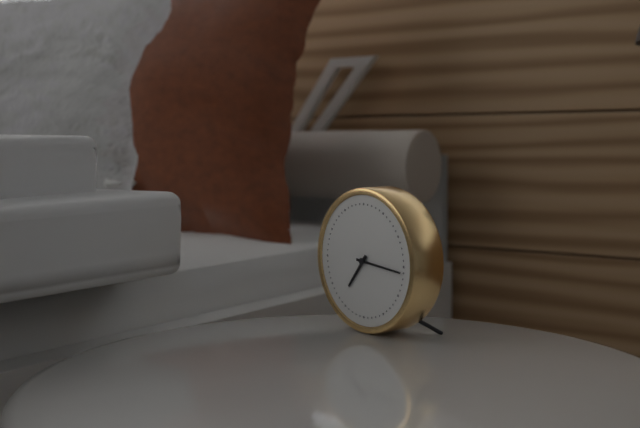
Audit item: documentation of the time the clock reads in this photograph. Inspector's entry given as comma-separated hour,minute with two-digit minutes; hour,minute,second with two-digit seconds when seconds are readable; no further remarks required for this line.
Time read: 7,16
